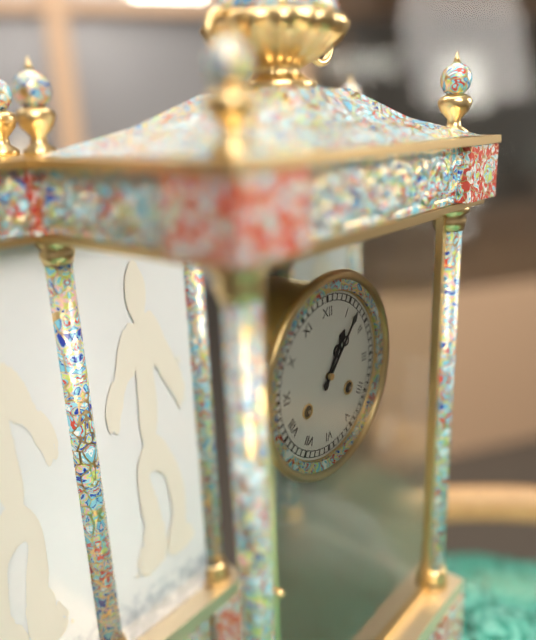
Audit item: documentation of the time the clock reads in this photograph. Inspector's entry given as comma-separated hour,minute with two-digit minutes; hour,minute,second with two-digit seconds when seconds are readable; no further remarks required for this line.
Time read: 1,07
